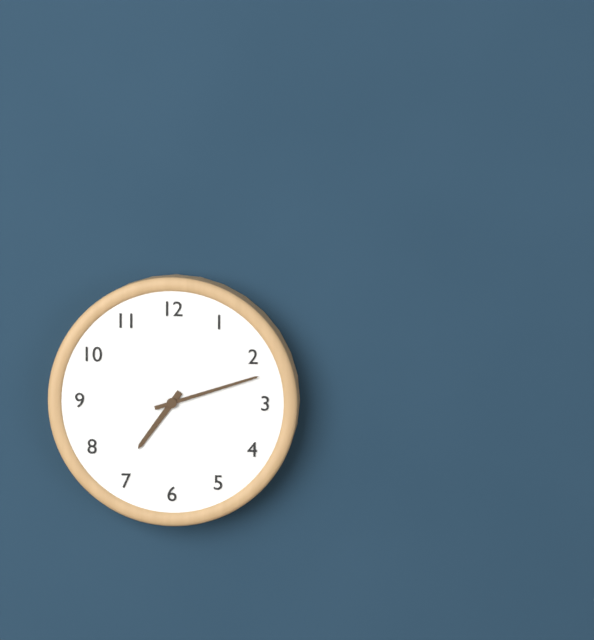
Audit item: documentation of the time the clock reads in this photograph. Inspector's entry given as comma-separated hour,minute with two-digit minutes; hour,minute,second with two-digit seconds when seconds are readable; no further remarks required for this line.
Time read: 7,12
